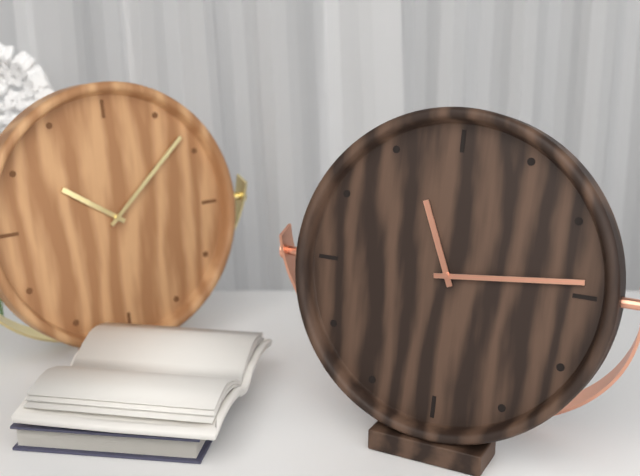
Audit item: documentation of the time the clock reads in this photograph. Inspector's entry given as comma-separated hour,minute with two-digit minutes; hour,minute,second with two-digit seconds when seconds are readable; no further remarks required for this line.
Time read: 11,14
